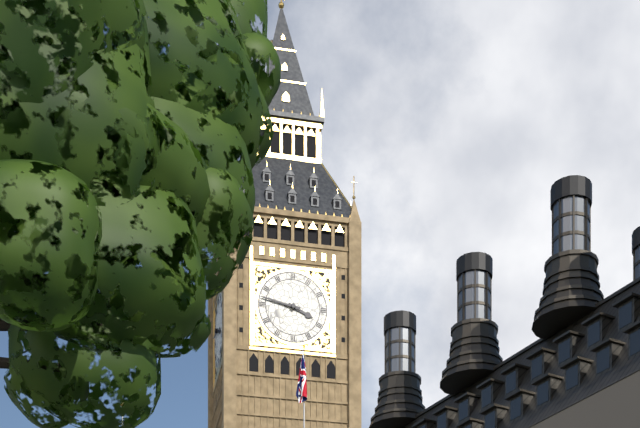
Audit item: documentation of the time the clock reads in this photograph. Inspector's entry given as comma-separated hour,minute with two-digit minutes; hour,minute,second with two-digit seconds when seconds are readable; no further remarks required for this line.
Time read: 3,47
